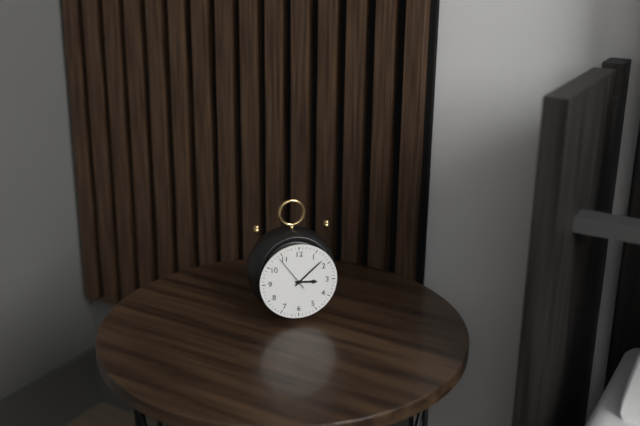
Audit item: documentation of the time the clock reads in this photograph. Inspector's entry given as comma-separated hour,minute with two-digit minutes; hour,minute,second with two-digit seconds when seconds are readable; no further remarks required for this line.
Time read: 3,08
